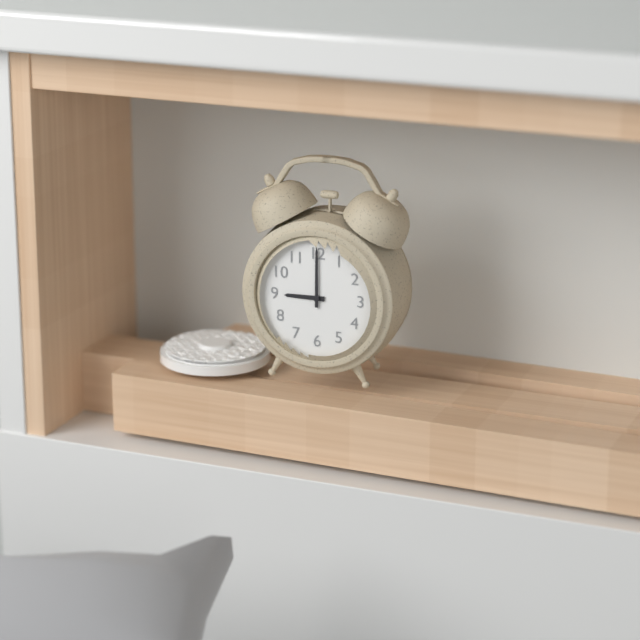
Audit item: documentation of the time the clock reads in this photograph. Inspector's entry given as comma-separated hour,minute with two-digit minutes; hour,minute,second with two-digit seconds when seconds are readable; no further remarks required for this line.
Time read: 9,00
